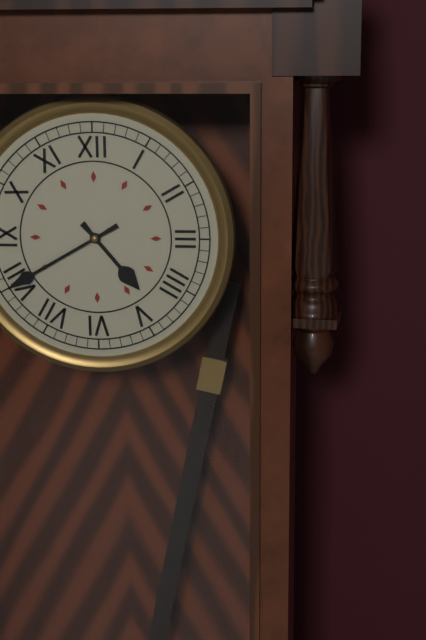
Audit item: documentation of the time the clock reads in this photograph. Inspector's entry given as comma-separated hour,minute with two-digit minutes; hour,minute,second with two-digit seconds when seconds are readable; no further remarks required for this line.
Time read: 4,40
